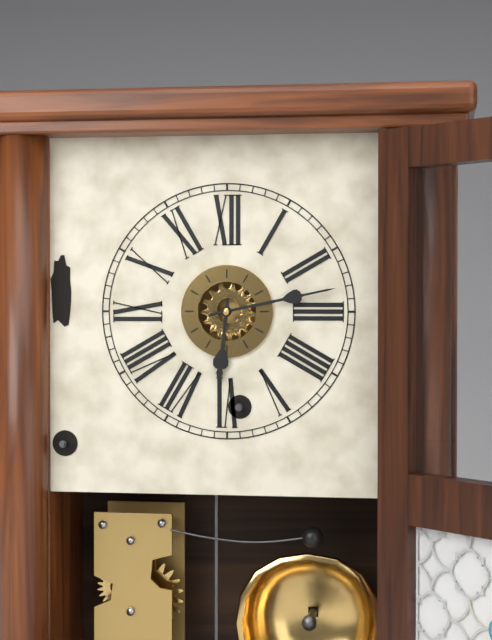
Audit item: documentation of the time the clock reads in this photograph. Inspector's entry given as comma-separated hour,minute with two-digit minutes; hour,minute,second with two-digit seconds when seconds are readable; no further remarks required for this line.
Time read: 6,13
